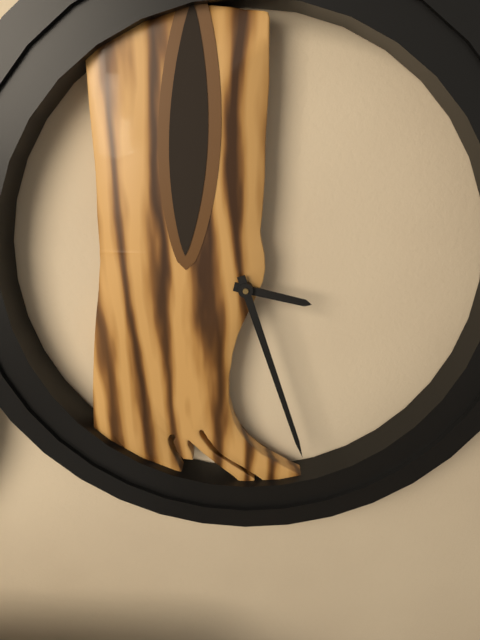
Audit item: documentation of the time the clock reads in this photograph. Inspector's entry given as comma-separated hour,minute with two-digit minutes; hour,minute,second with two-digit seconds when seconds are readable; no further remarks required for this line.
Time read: 3,27
